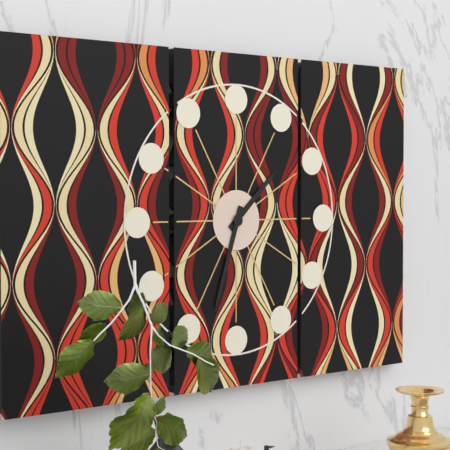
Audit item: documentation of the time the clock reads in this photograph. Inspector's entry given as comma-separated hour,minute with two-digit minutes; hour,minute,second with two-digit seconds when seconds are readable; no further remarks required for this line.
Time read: 1,33
